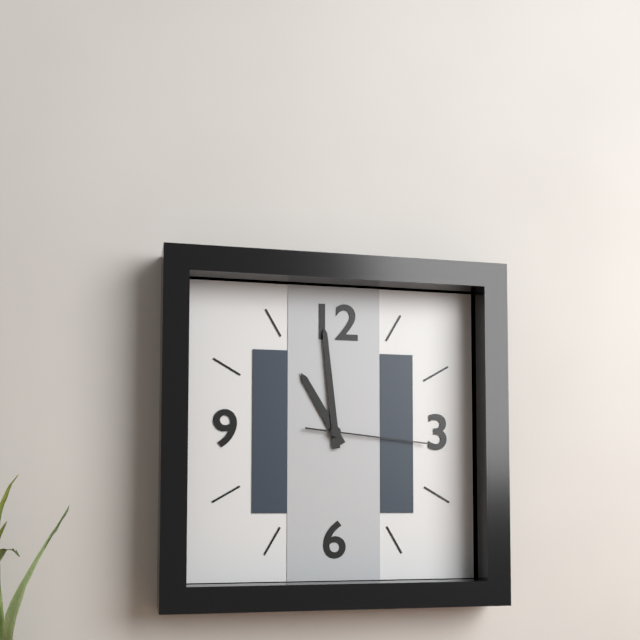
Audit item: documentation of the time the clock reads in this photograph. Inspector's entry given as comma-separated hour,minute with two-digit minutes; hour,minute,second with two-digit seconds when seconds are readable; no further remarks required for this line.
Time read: 10,59,16
